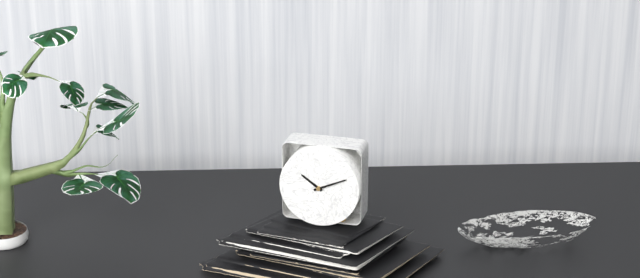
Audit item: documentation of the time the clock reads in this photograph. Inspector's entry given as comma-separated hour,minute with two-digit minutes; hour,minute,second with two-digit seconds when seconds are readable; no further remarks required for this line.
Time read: 10,11
